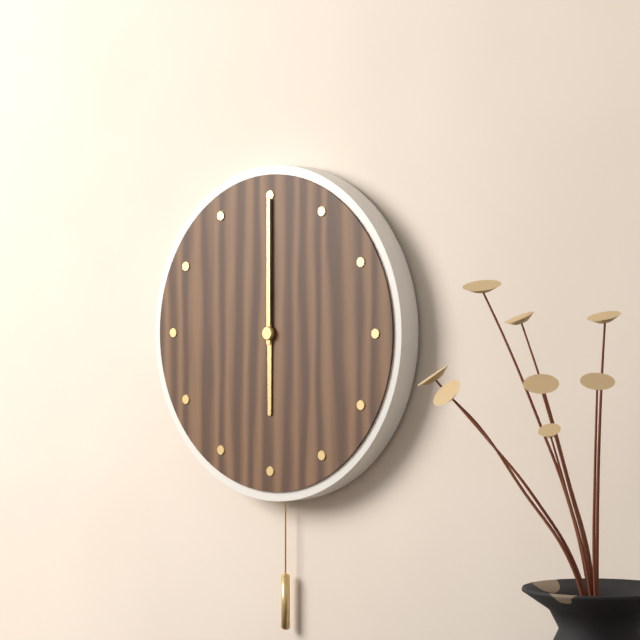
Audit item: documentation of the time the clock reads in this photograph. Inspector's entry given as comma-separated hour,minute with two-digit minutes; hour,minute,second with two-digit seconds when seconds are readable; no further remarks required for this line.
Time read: 6,00
